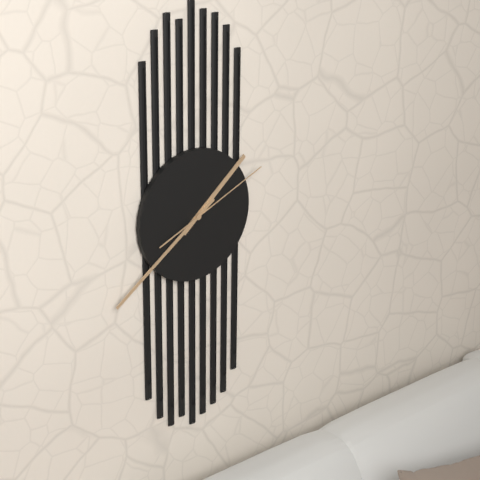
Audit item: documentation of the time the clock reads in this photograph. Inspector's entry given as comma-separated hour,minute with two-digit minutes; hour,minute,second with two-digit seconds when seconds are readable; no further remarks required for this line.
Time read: 1,39,11
